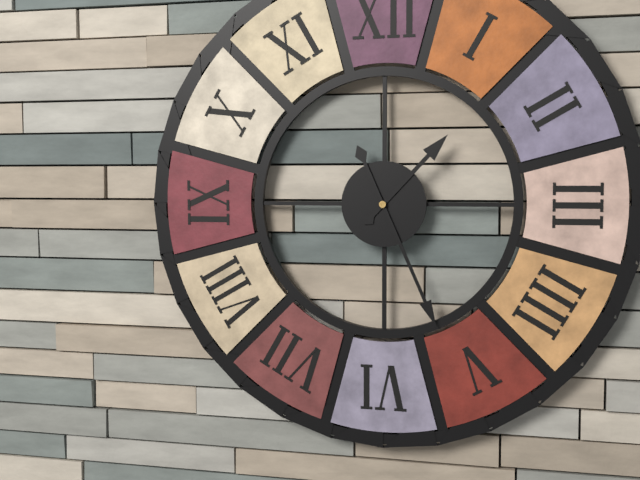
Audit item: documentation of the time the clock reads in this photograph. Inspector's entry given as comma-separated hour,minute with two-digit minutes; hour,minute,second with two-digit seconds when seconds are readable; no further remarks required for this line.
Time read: 1,26
